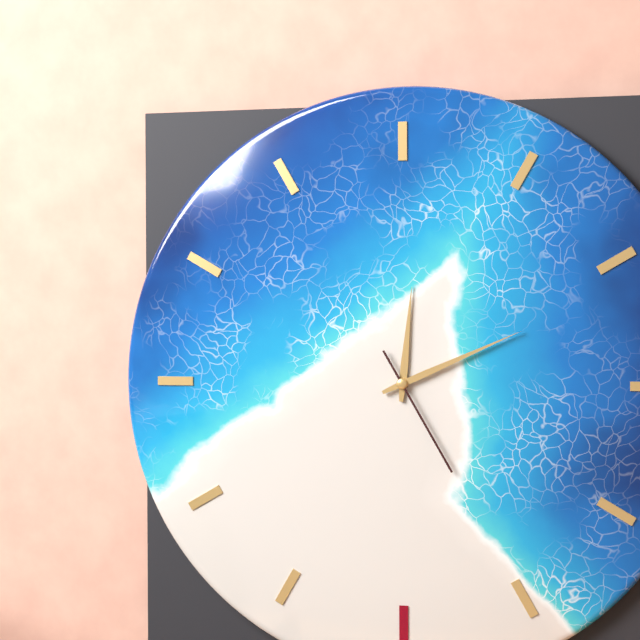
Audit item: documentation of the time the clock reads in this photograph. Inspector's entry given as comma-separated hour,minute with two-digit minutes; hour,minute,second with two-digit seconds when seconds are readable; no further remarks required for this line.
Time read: 12,11,25
